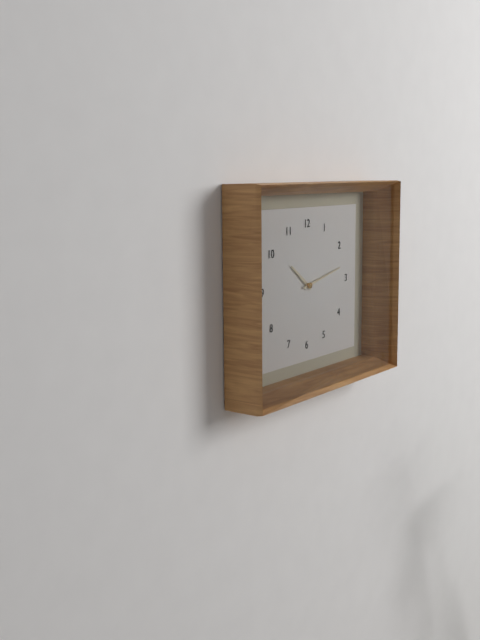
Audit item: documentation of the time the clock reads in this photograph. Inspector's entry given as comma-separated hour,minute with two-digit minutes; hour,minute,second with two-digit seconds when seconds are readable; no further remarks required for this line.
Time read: 10,13
